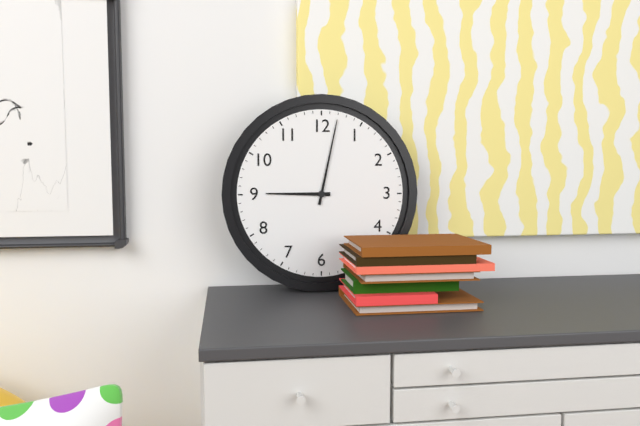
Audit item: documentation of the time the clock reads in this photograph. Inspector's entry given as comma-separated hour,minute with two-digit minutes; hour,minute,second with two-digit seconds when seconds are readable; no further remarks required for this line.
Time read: 9,02
